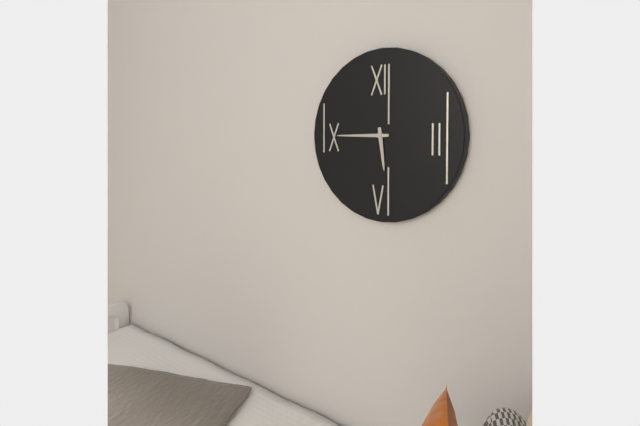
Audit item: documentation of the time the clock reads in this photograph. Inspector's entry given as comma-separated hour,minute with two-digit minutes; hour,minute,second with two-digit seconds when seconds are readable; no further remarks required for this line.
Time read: 5,45
